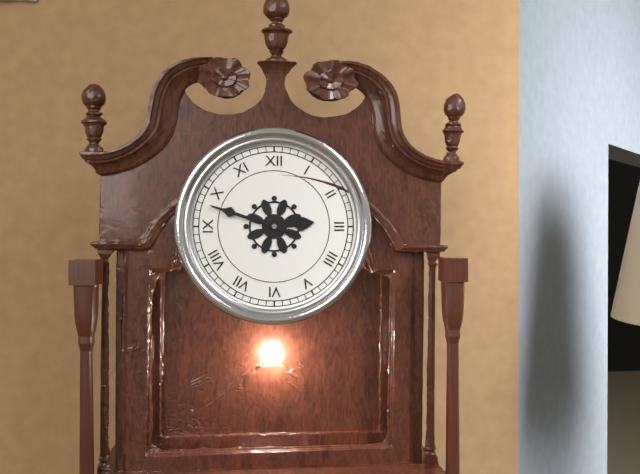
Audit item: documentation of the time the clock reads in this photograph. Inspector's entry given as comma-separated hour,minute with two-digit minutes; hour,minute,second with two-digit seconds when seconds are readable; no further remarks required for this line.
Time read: 2,48
